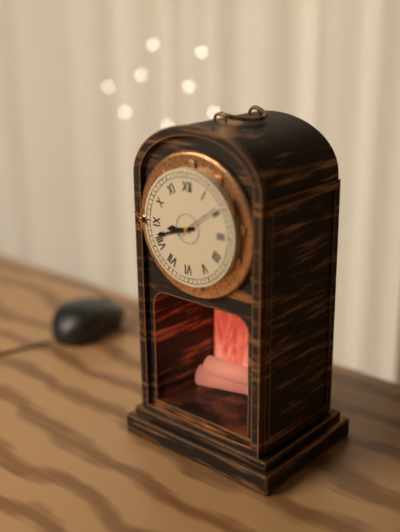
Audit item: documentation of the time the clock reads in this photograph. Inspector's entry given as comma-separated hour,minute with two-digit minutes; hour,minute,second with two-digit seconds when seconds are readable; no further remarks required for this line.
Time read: 8,42
